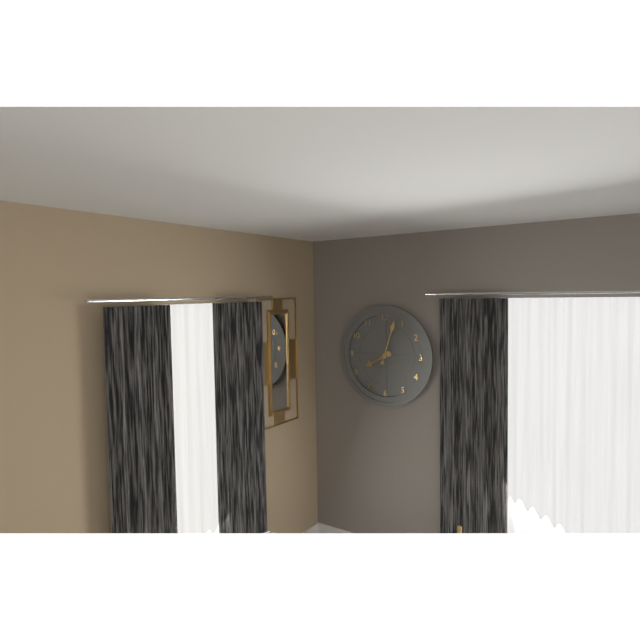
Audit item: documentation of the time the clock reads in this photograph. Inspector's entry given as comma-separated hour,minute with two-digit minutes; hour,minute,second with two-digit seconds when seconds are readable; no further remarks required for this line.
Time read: 8,03
